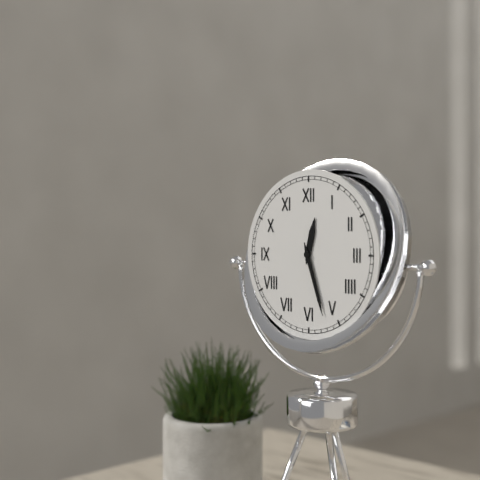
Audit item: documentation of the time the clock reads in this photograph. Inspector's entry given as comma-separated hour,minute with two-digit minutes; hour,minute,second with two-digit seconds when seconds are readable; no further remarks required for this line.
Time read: 12,27
